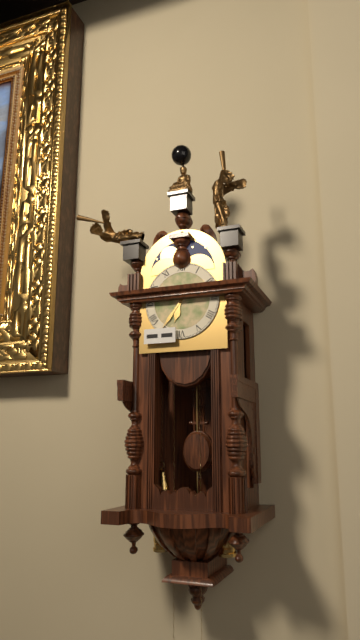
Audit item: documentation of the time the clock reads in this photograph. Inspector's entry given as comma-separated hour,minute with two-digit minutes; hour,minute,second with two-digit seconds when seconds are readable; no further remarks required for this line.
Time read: 6,36
